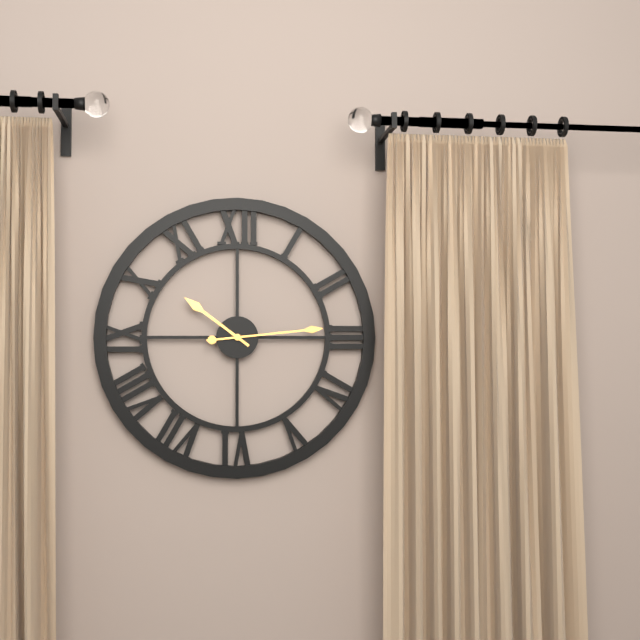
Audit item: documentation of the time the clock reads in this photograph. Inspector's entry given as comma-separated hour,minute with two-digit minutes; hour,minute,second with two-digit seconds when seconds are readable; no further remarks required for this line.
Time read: 10,14
